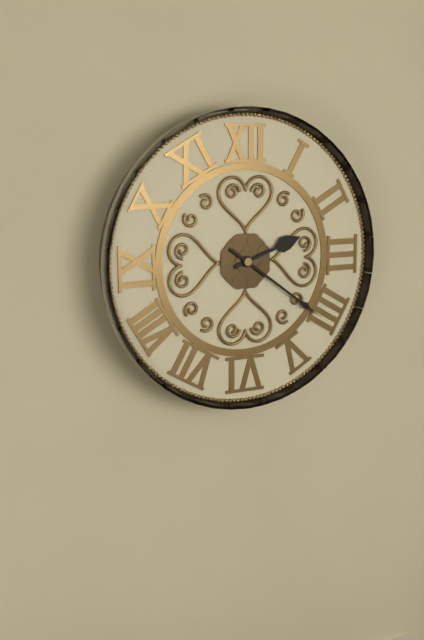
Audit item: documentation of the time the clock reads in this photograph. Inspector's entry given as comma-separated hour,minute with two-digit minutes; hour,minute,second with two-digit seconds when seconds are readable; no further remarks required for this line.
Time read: 2,21
